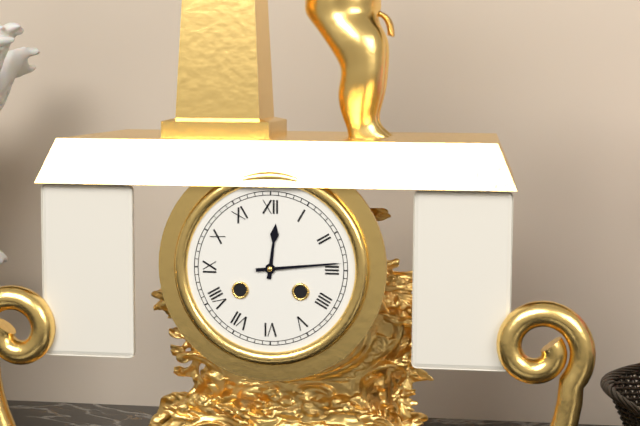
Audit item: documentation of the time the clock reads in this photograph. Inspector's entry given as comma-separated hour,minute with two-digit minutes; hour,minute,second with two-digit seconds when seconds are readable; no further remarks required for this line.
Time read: 12,14
